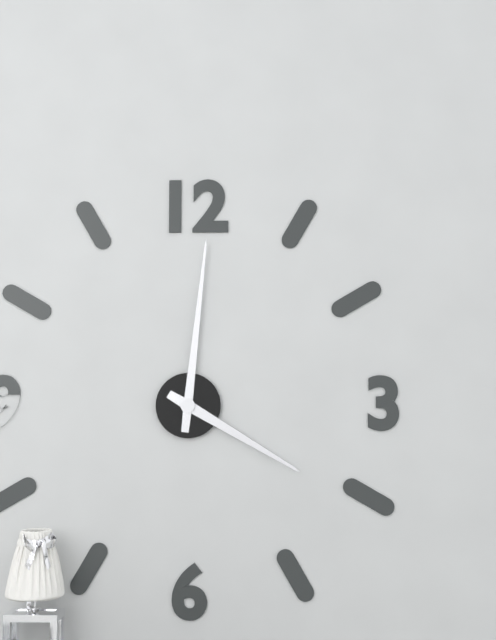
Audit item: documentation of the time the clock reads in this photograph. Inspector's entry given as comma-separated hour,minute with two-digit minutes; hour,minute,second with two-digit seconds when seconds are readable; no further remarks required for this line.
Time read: 4,01
